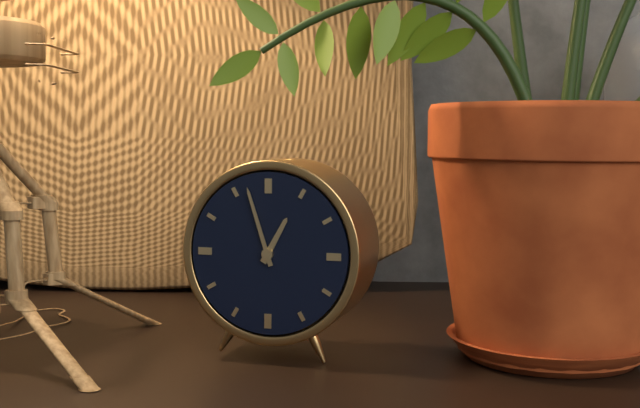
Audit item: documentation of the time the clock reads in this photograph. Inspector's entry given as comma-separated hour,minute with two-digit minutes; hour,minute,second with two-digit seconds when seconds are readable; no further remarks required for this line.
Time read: 12,57
